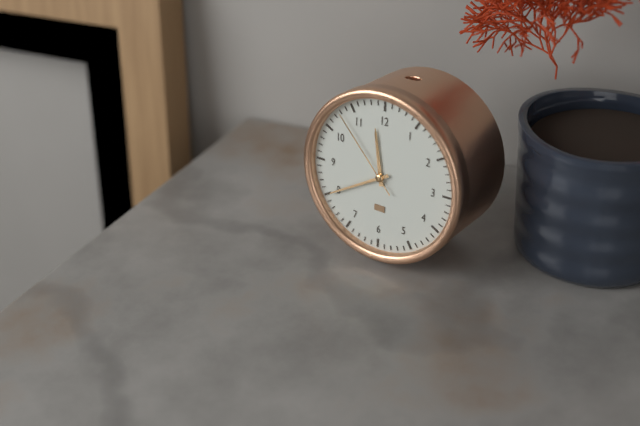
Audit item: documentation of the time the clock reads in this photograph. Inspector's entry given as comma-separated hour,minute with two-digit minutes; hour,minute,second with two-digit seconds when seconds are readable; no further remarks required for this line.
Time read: 11,40,53
